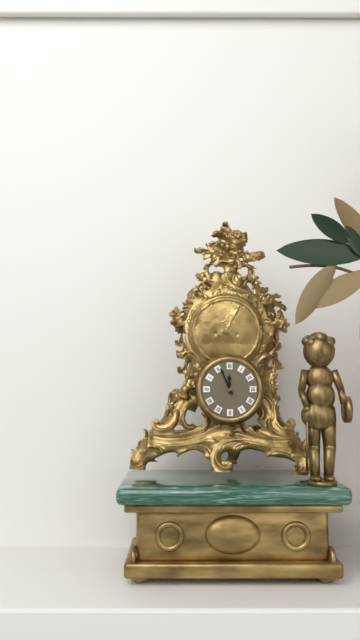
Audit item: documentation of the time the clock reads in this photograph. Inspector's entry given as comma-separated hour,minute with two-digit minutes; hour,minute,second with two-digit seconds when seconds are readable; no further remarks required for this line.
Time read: 11,56
